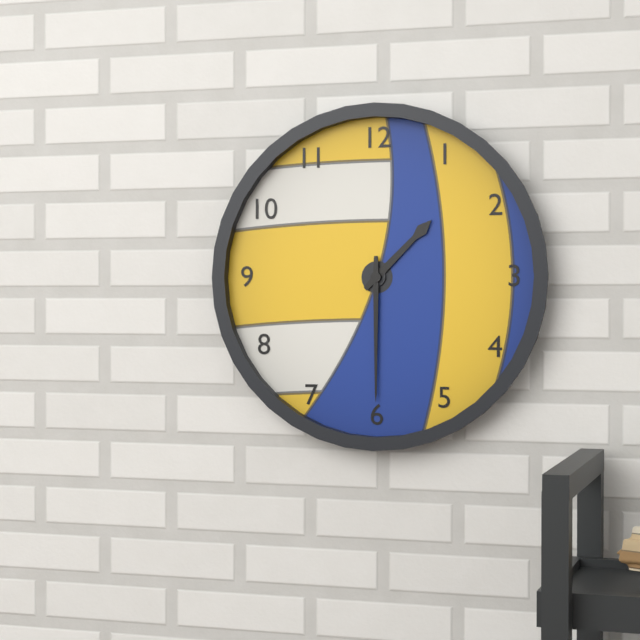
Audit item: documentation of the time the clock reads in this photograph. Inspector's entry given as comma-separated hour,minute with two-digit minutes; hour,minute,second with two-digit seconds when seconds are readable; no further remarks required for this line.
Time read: 1,30
